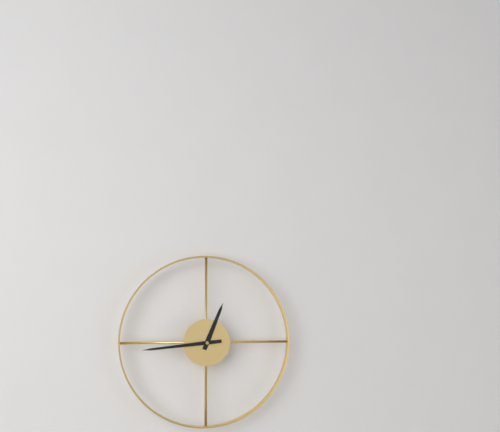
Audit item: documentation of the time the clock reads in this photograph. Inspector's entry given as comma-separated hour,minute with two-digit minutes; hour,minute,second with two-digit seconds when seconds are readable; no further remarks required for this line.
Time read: 12,44
